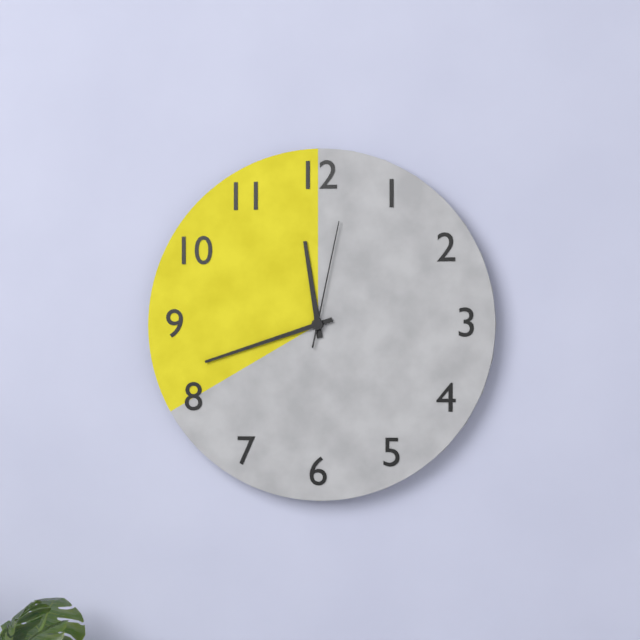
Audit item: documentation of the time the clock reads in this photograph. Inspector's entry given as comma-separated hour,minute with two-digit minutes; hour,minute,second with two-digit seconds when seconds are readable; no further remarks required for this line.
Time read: 11,42,02
